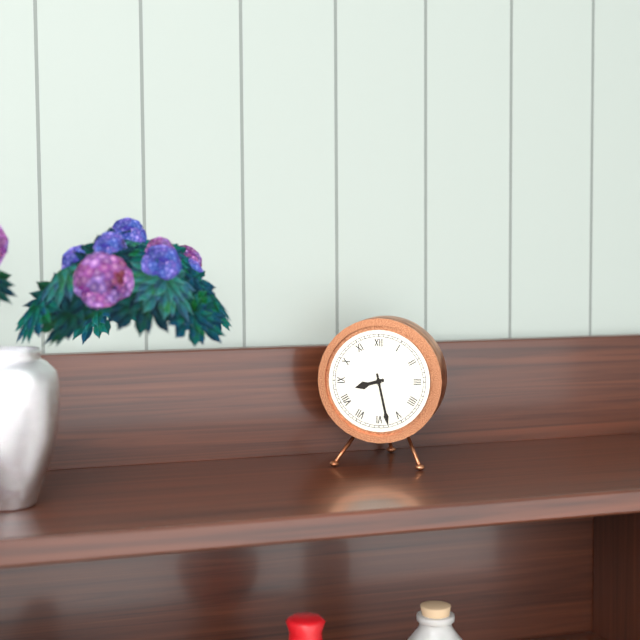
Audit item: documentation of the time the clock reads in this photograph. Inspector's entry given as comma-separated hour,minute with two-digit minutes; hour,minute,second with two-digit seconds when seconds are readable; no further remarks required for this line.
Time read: 8,28
